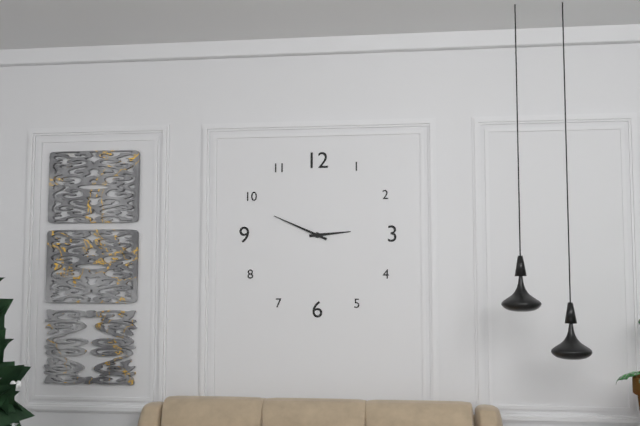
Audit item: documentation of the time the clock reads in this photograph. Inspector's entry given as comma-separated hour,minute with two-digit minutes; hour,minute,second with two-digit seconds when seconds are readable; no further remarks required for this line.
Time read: 2,49
